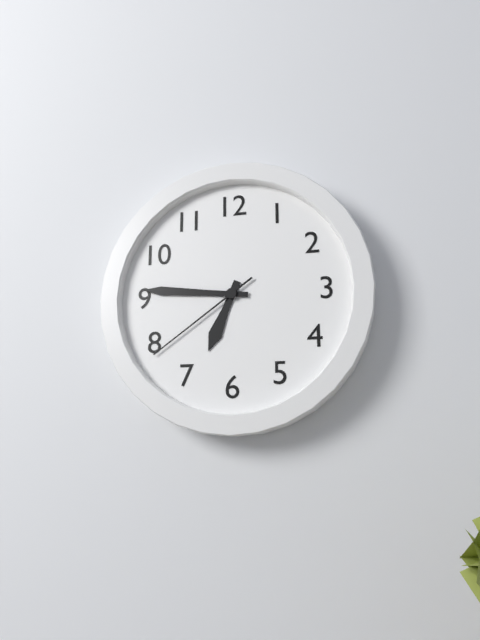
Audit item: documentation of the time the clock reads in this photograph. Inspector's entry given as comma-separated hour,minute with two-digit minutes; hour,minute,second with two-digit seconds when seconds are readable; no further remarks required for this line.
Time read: 6,46,39
